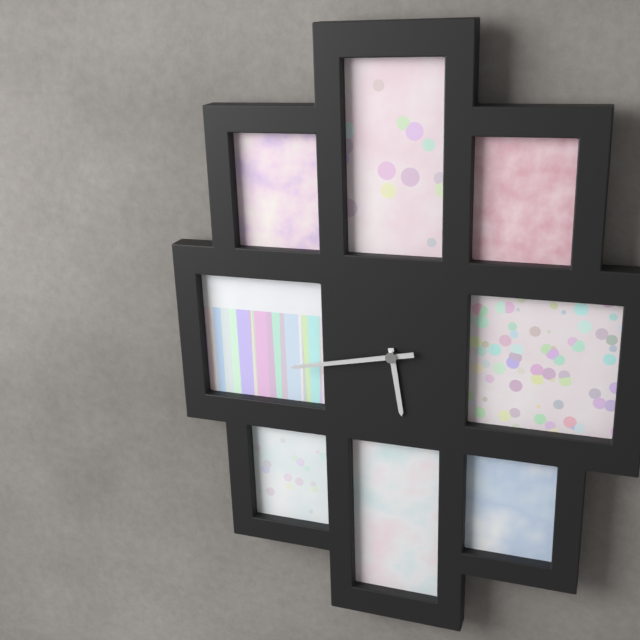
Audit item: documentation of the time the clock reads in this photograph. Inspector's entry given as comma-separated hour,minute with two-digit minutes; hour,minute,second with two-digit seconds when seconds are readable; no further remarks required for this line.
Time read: 5,43
